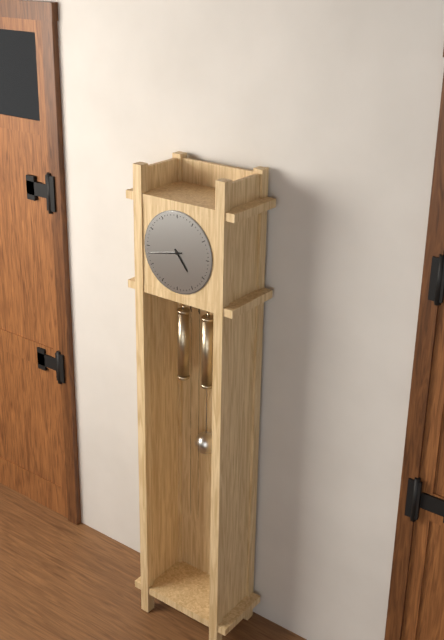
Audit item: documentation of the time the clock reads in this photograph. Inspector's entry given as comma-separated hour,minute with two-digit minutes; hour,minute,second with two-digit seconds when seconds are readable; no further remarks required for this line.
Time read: 4,43
